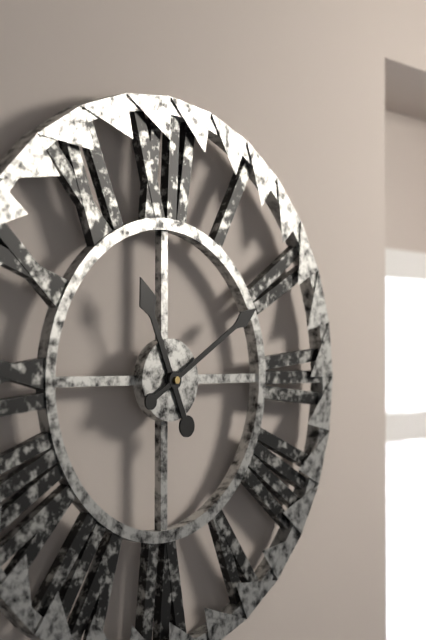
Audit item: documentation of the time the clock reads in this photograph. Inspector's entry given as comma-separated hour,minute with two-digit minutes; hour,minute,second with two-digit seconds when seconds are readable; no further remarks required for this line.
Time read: 11,10
